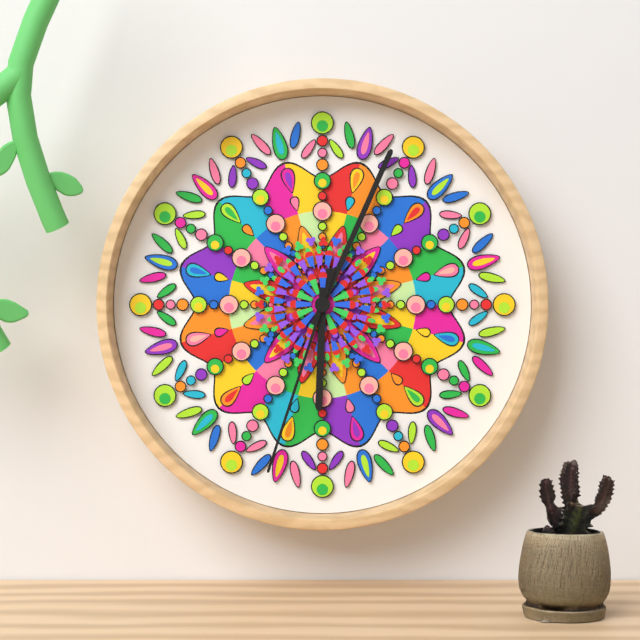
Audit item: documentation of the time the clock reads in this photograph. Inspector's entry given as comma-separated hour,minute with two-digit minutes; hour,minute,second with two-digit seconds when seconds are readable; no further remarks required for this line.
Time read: 6,04,33
